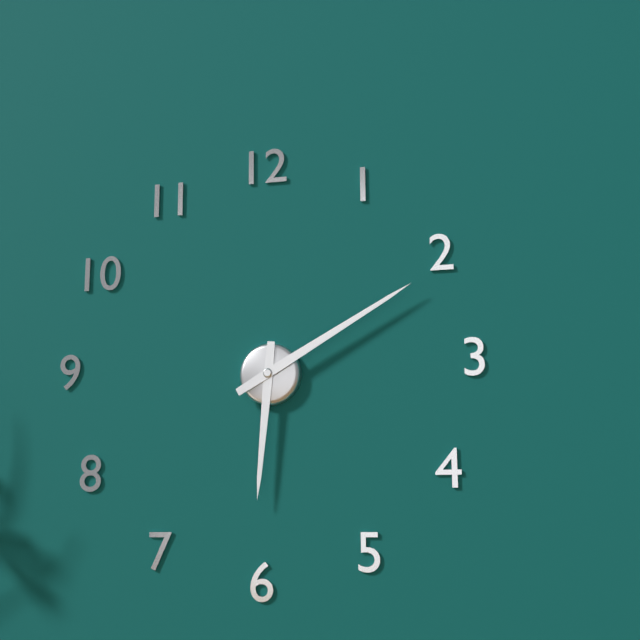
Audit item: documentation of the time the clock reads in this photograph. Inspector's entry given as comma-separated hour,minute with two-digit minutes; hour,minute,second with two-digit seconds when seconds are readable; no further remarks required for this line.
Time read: 6,10
